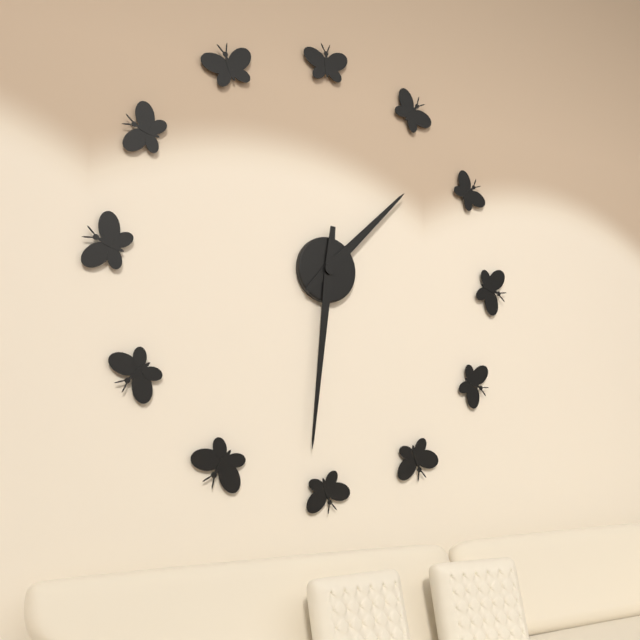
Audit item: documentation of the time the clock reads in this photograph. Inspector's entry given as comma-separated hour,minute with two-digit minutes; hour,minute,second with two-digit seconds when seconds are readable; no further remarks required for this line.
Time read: 1,31
